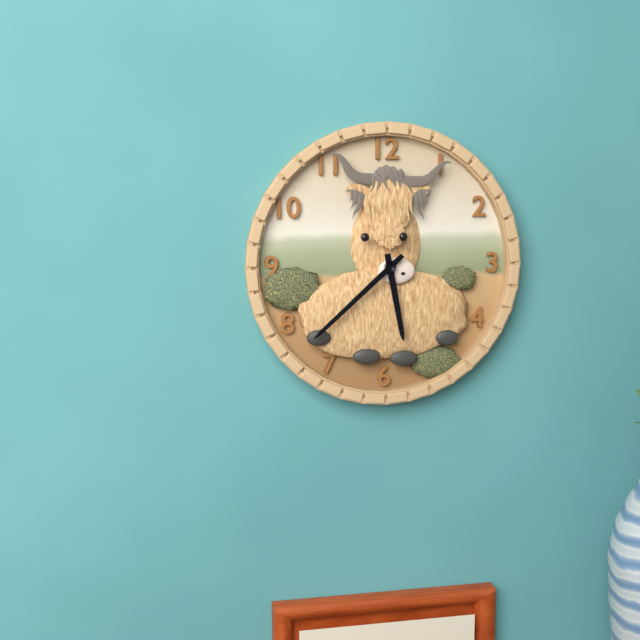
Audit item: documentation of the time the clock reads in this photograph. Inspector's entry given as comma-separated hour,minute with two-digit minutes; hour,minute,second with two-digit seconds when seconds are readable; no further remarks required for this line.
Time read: 5,38
